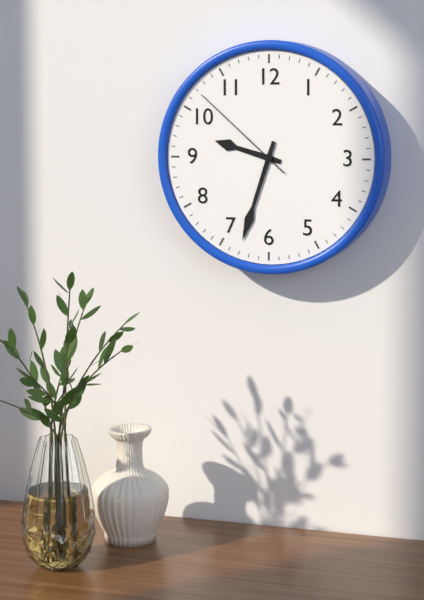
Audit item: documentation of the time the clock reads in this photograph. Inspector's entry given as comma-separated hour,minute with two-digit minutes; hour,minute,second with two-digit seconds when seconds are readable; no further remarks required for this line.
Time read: 9,33,52
